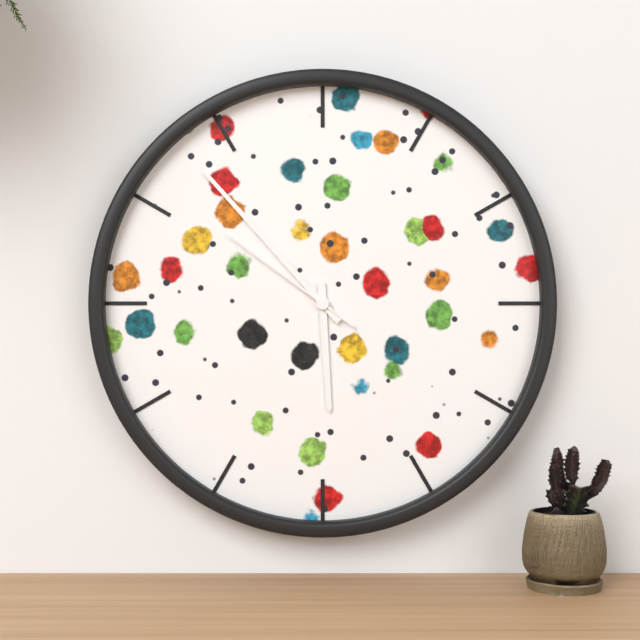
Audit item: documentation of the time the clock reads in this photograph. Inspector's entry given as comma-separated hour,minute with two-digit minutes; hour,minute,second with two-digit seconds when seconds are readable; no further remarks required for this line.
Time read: 5,53,51
